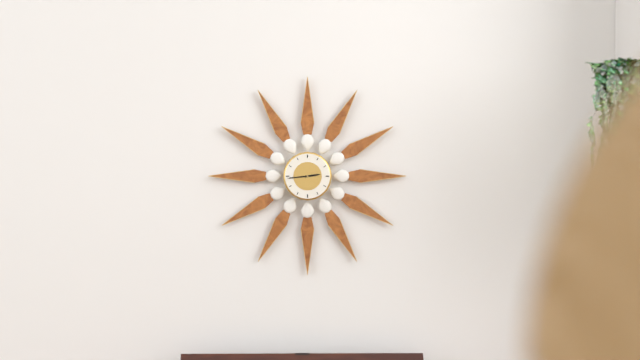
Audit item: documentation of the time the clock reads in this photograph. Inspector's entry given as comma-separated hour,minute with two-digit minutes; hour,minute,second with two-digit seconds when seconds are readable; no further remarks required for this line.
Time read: 2,44
